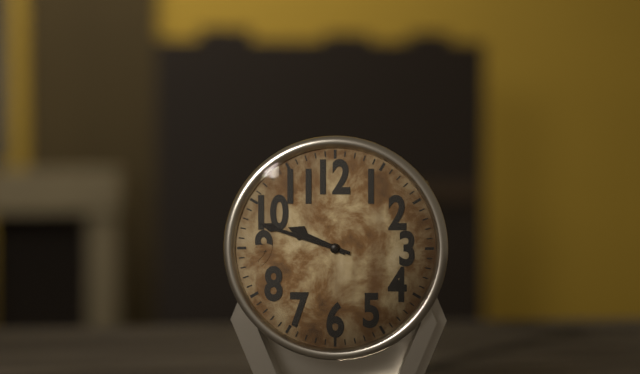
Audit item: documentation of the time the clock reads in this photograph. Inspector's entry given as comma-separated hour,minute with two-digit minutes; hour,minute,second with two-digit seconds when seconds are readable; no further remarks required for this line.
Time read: 9,48
